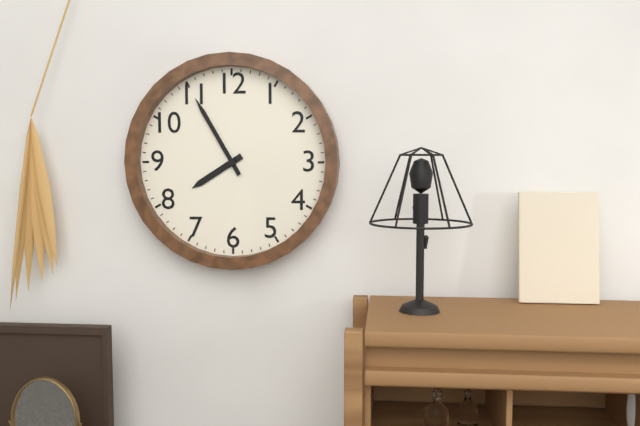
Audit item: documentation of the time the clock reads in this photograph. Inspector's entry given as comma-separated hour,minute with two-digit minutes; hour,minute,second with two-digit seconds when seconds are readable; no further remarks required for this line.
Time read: 7,55
